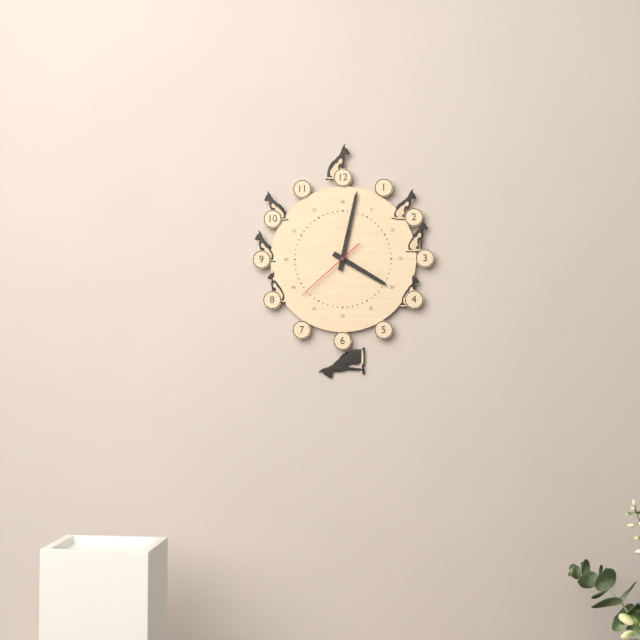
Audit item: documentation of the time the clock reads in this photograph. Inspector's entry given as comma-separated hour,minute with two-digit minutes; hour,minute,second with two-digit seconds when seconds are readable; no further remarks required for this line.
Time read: 4,02,38
